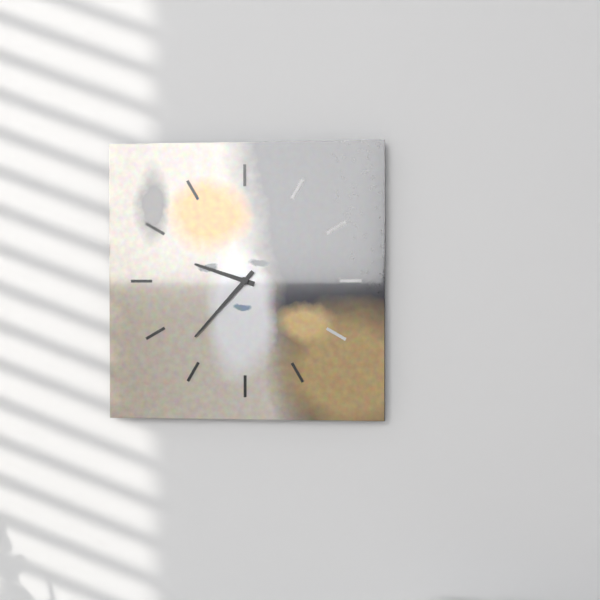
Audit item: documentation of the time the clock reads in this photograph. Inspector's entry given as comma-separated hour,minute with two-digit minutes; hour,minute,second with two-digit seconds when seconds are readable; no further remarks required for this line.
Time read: 9,37
